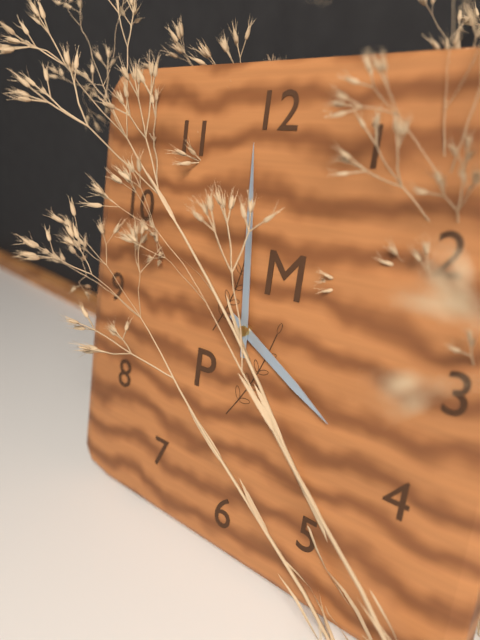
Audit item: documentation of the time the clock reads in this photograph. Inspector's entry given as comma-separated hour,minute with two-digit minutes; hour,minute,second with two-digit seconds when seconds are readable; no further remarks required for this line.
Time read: 3,59
